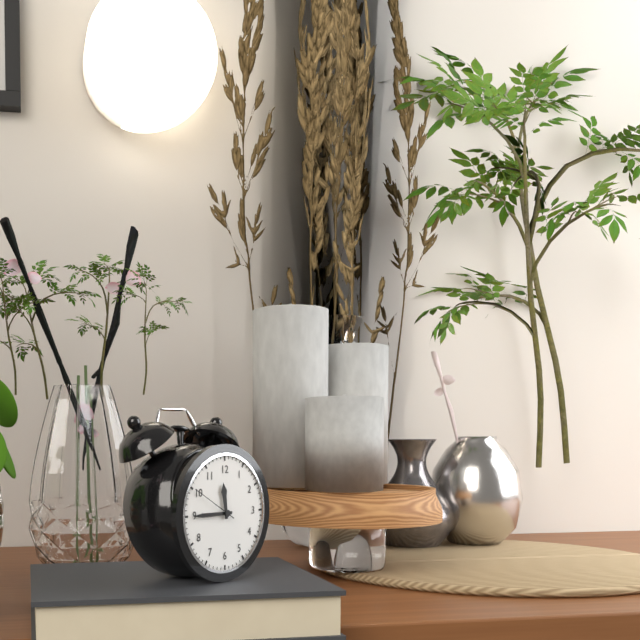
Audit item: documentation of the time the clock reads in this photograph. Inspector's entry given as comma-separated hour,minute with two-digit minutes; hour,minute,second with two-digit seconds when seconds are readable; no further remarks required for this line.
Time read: 11,45,50
